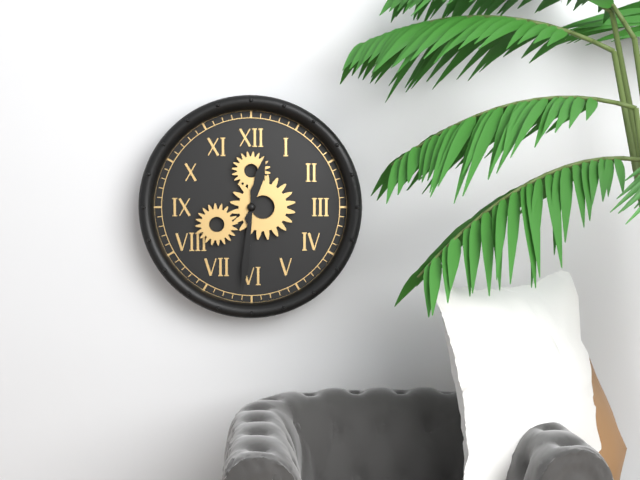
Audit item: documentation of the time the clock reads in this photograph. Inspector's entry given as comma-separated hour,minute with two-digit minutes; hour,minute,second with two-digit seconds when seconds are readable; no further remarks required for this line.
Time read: 12,31
